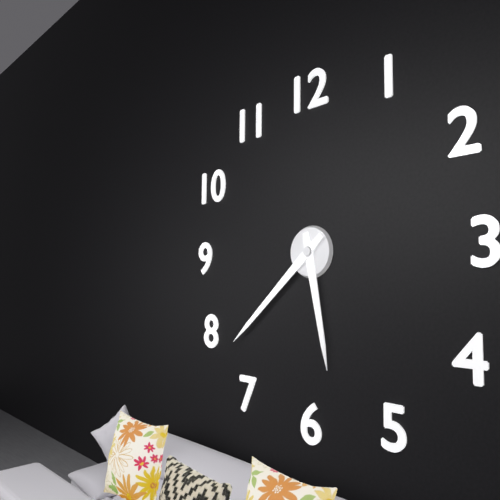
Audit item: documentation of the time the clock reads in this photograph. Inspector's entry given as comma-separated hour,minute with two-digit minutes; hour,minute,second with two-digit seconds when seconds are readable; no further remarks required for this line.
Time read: 5,38
